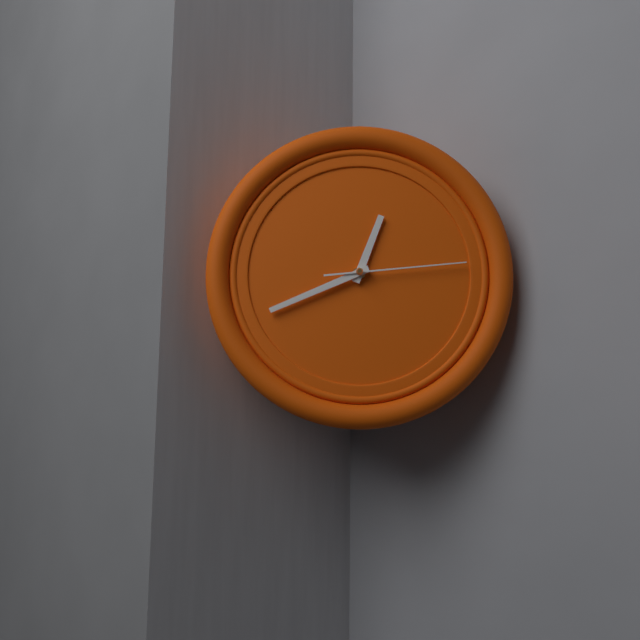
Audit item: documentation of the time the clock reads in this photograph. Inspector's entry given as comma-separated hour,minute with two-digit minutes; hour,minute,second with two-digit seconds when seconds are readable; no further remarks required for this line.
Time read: 12,41,14
